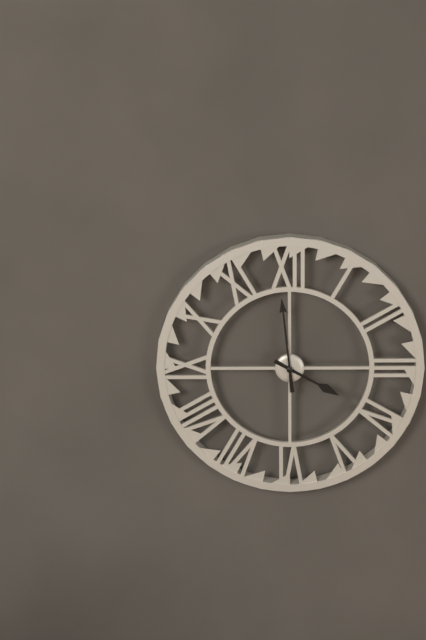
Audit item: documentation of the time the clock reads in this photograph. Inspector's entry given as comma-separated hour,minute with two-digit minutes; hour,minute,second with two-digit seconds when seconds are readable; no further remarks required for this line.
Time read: 3,59
